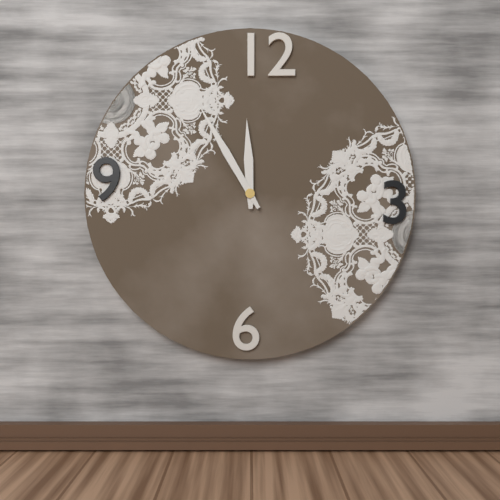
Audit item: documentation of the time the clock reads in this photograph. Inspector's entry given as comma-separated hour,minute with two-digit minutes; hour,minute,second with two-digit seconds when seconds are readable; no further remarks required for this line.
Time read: 11,55
